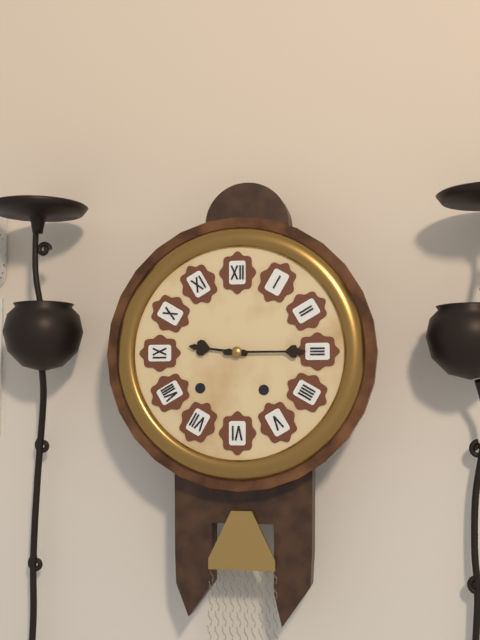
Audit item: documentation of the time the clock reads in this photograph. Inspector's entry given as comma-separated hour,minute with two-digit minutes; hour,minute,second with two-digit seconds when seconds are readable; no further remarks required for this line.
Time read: 9,15
